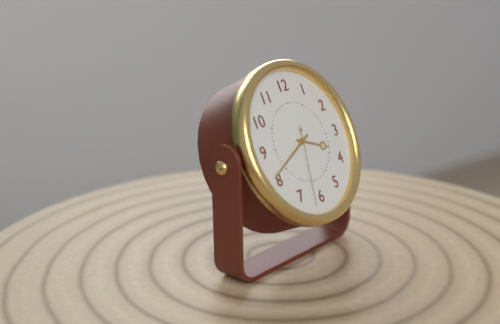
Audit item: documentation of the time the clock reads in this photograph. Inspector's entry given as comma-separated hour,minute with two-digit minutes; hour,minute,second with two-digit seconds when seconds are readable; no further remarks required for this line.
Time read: 3,41,32
